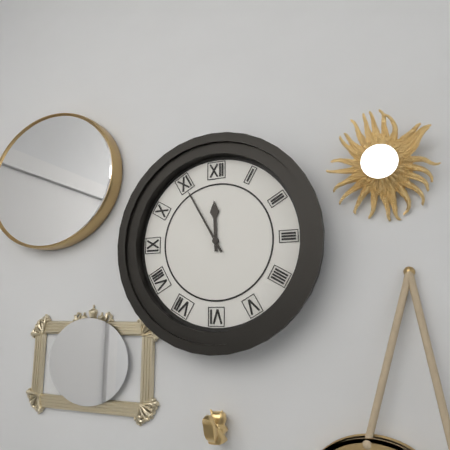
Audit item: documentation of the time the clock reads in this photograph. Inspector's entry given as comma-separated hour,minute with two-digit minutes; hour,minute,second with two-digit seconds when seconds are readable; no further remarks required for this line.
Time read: 11,55
